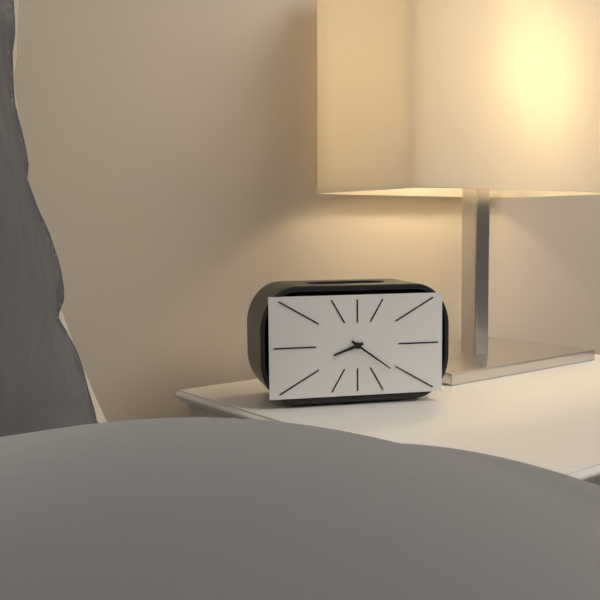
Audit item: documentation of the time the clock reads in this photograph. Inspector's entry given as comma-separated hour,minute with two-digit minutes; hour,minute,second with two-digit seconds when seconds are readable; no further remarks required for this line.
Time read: 8,21
